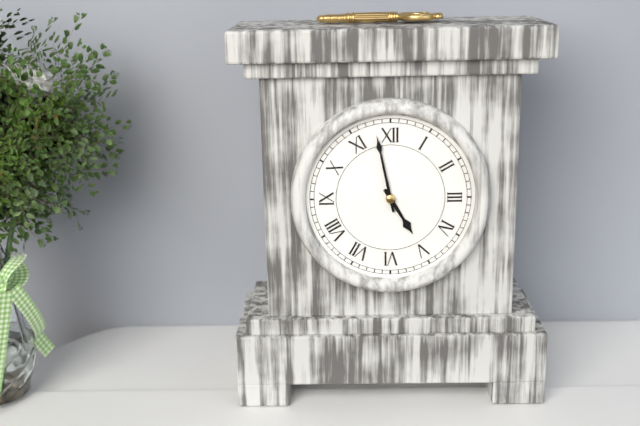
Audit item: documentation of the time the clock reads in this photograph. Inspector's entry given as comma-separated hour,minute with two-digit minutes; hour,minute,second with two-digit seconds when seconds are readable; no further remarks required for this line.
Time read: 4,58
